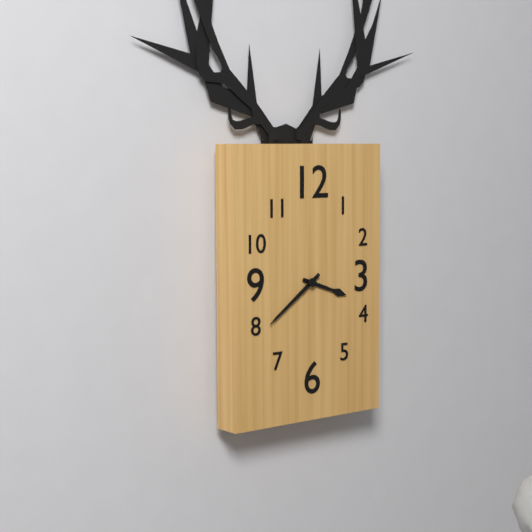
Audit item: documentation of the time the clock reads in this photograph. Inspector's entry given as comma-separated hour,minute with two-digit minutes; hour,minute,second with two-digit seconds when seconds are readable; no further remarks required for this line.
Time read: 3,39
